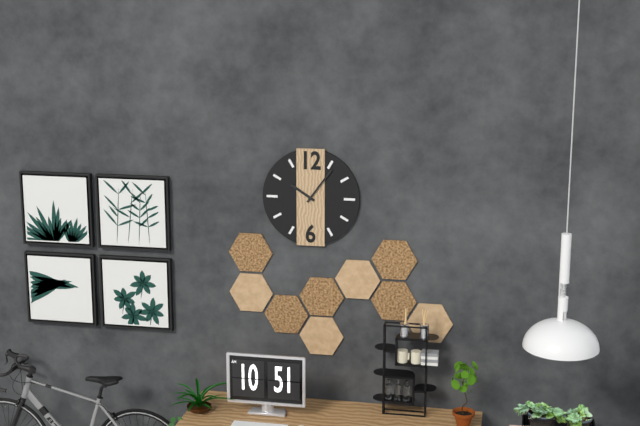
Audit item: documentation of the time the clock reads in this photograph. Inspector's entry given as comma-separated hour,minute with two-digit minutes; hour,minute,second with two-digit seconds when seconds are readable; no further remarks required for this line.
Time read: 10,06
